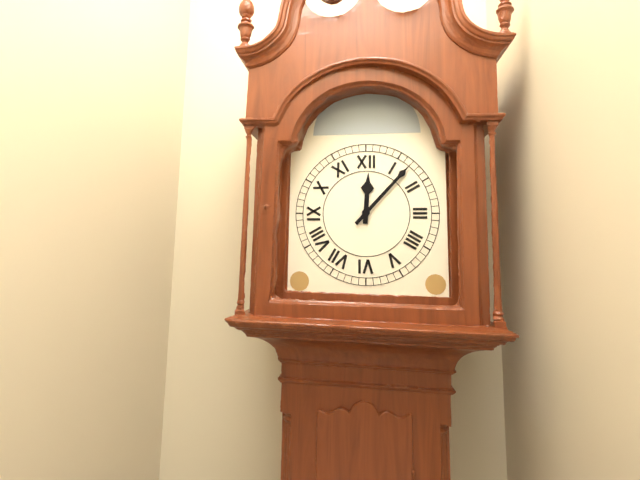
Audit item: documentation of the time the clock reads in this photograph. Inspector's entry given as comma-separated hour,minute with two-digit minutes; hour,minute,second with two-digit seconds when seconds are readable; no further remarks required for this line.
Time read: 12,07
